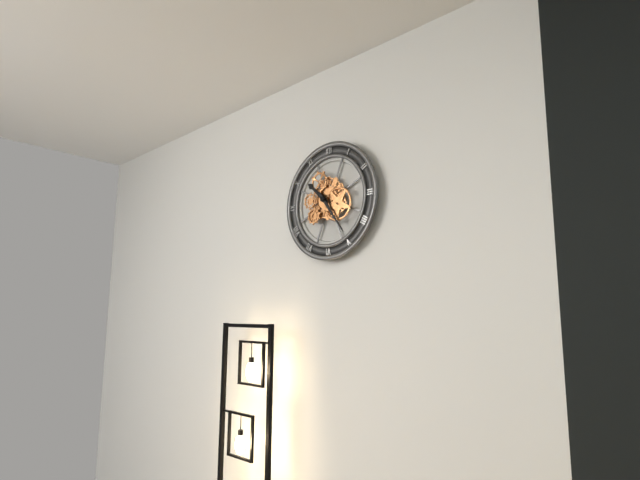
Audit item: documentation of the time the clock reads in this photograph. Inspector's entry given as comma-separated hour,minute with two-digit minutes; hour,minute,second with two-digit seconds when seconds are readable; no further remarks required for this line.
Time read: 10,24
